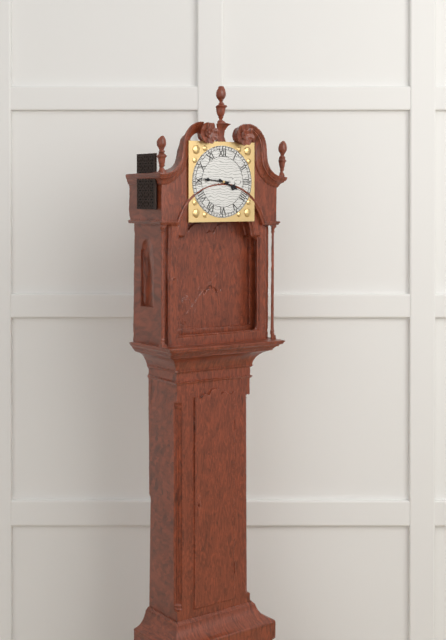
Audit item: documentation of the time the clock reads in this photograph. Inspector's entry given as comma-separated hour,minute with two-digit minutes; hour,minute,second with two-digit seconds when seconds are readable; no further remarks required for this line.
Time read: 3,46
